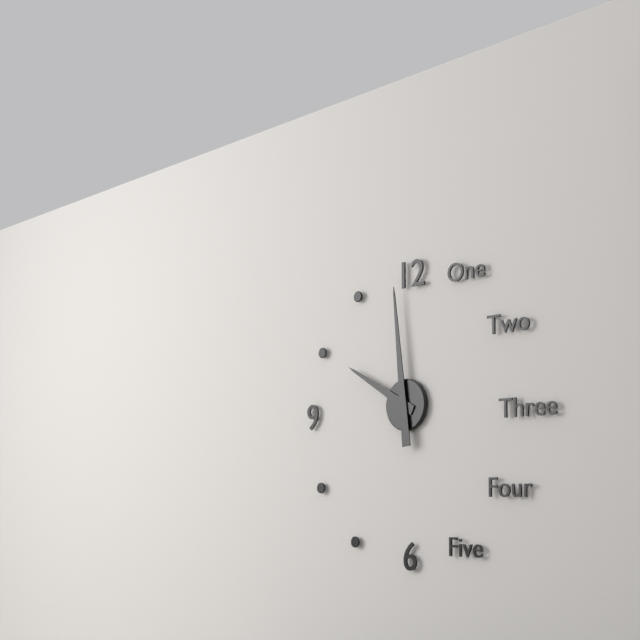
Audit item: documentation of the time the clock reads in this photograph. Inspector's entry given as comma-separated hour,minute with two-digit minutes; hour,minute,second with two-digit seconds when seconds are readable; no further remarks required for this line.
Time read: 9,59
